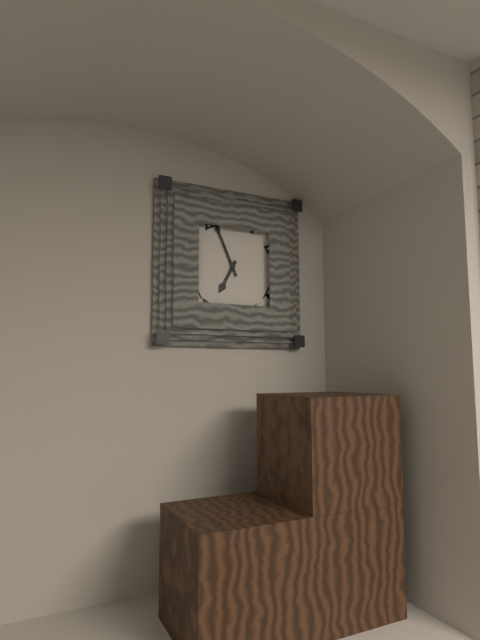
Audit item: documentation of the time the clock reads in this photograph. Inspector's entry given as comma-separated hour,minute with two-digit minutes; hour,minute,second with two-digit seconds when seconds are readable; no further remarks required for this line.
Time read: 6,56
